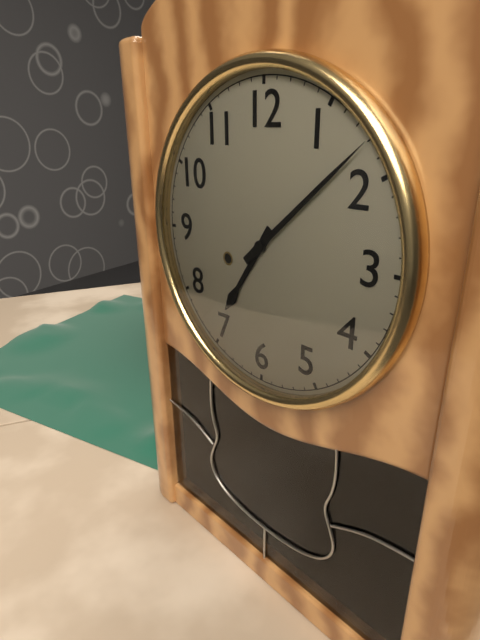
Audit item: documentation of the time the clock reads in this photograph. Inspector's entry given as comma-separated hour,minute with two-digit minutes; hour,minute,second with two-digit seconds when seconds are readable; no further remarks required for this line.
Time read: 7,08
